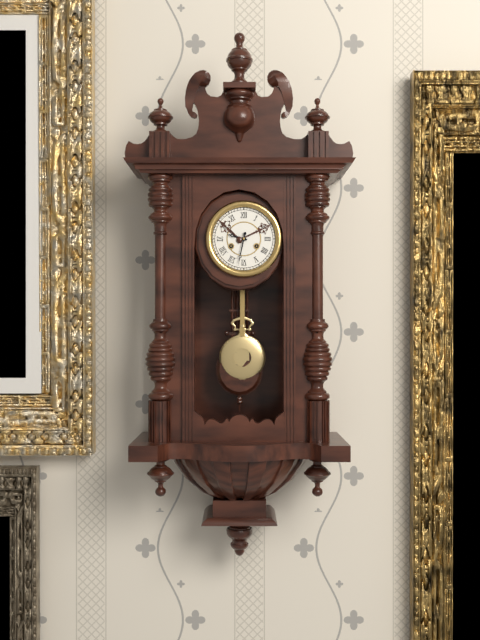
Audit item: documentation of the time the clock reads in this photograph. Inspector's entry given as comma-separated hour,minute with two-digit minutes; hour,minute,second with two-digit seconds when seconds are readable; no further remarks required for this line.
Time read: 9,32
